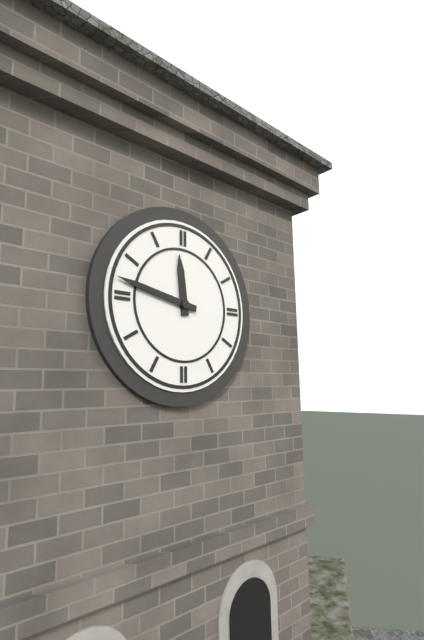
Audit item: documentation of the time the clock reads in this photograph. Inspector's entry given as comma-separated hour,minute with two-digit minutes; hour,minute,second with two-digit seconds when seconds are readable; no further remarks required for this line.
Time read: 11,47
